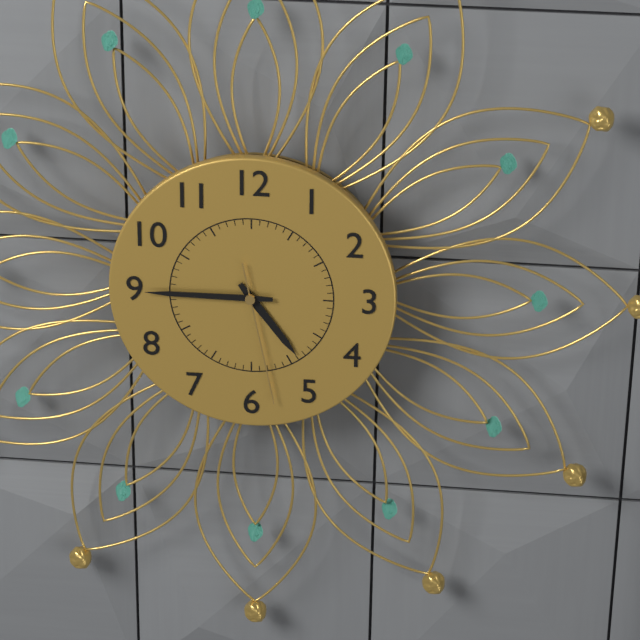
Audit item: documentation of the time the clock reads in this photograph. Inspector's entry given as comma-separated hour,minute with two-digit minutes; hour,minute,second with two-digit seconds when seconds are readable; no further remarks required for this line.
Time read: 4,45,28
